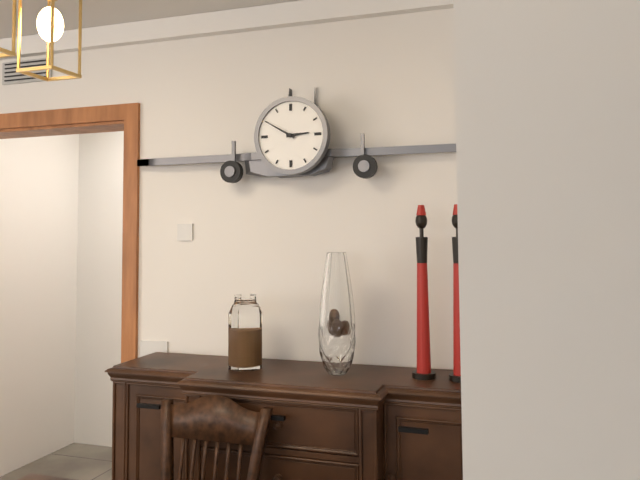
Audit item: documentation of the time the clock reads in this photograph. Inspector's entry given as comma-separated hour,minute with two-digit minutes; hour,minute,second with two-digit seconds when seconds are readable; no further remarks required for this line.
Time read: 2,50
